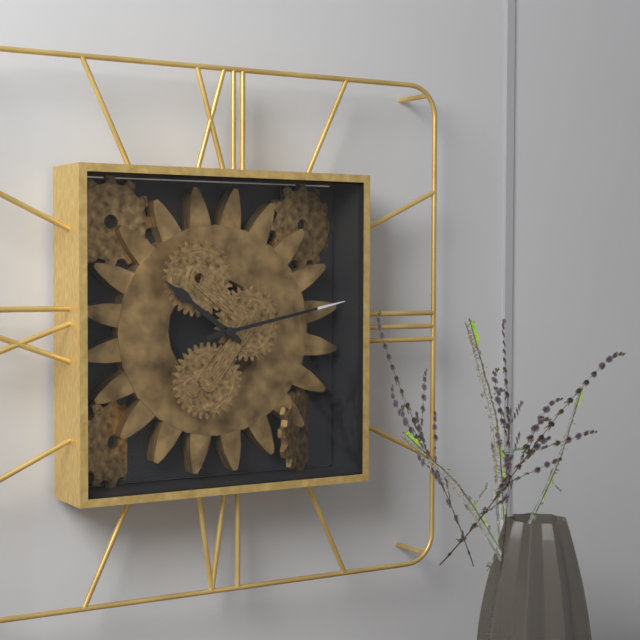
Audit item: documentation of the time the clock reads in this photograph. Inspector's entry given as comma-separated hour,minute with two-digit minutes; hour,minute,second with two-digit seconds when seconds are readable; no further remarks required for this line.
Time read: 10,13
